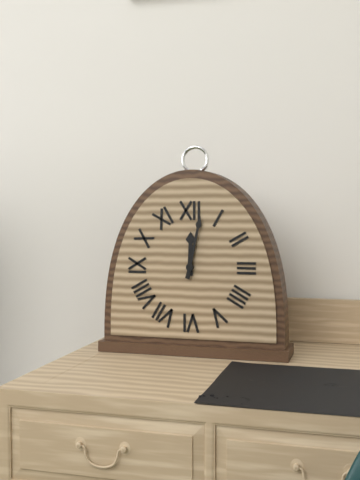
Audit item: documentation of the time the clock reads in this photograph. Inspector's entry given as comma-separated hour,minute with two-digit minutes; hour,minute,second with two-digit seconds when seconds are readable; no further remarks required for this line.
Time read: 12,02
